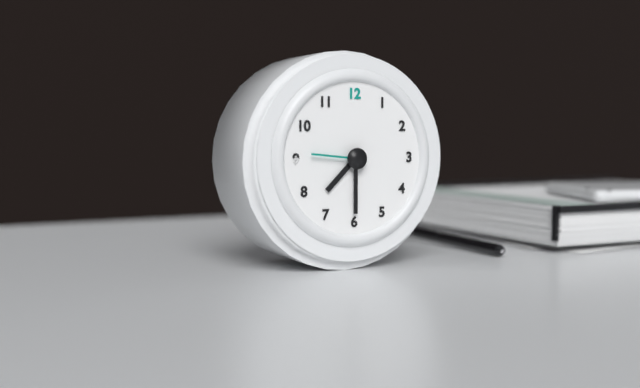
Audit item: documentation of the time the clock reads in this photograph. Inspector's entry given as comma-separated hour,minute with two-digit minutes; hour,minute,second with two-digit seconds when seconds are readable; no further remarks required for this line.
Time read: 7,30,46
